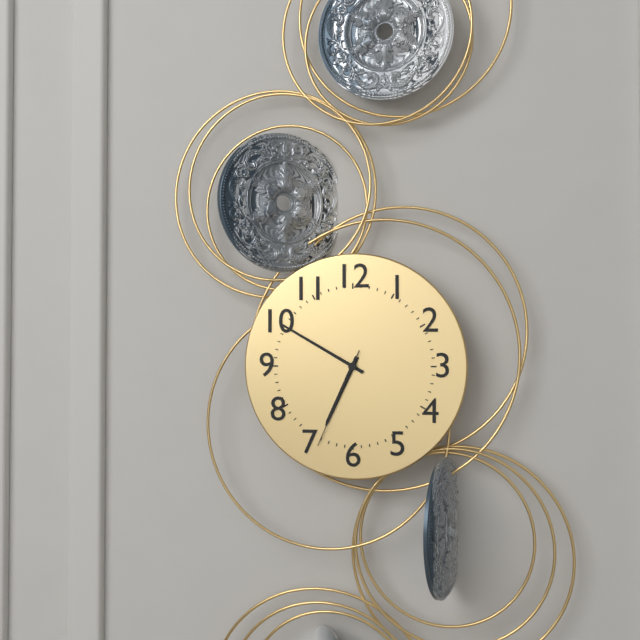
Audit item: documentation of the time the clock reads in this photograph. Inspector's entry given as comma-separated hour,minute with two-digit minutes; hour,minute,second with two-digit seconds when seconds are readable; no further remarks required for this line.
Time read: 6,50,34
